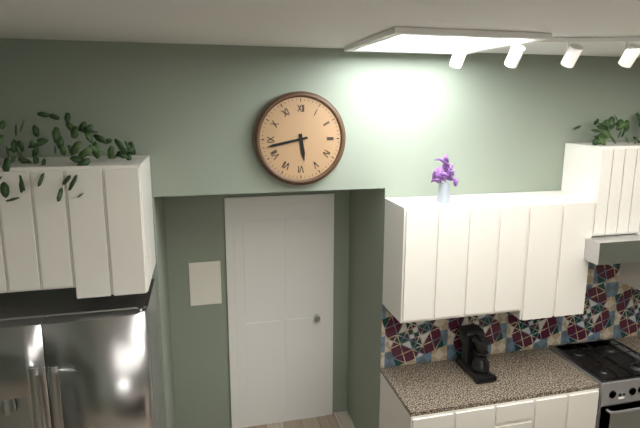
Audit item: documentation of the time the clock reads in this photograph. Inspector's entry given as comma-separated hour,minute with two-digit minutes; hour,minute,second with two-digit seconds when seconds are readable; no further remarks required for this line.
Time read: 5,43
